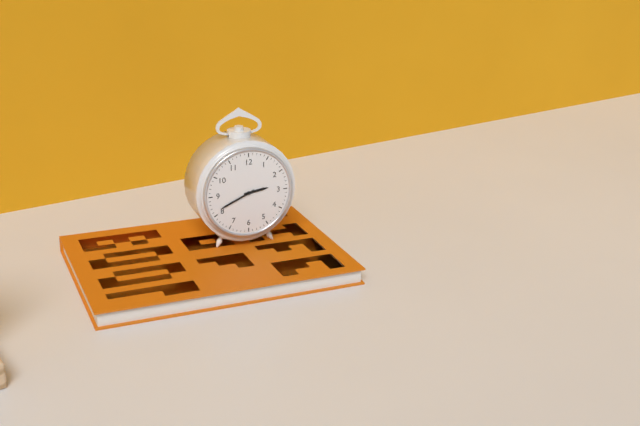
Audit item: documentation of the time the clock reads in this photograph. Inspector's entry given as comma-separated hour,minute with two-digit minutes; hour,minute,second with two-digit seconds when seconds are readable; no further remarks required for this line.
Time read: 2,41
